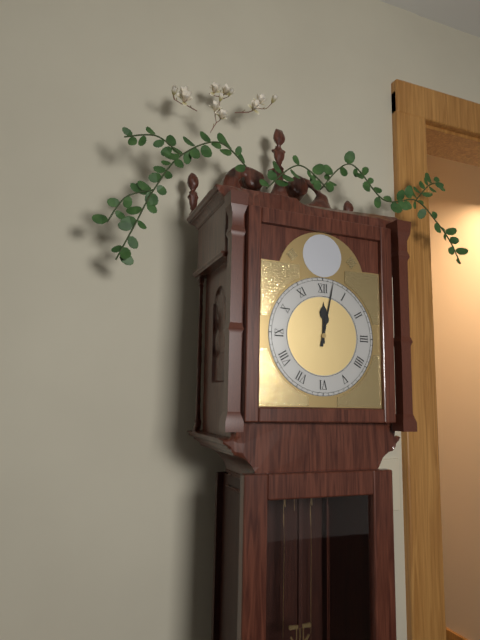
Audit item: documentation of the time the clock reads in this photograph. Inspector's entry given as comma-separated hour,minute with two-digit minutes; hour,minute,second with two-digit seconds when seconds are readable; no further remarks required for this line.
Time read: 12,02
